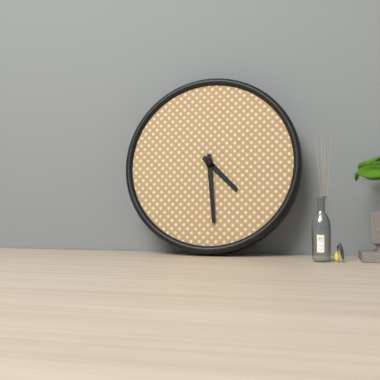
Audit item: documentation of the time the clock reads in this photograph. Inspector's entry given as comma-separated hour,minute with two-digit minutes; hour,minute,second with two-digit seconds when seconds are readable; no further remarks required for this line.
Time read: 4,29
